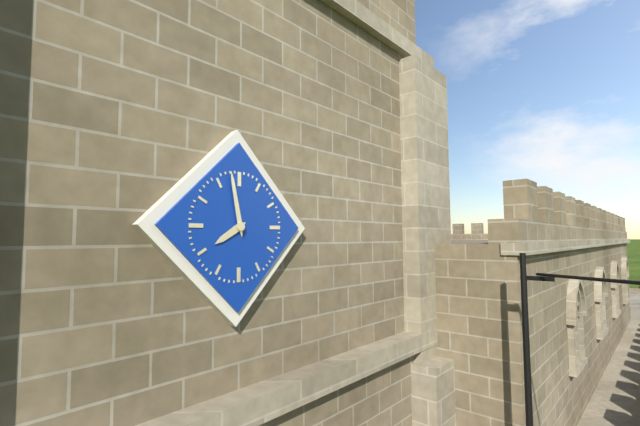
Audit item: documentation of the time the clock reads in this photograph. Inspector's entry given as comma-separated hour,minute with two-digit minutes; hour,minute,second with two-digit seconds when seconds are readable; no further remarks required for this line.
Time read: 7,58
